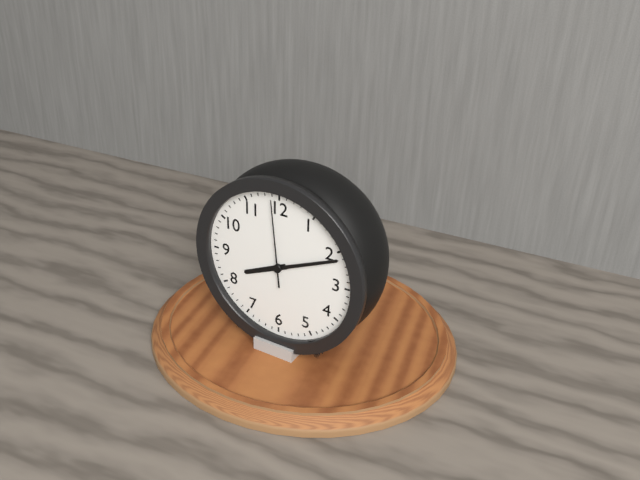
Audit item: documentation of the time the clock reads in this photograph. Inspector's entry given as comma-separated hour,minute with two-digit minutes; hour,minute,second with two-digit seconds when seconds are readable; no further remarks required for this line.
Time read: 8,11,59
